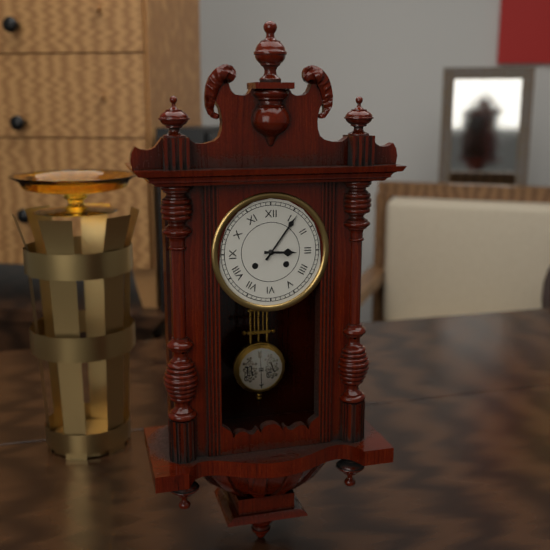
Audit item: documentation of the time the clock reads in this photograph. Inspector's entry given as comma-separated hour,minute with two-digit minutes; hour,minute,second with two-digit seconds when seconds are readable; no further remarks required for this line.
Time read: 3,06
